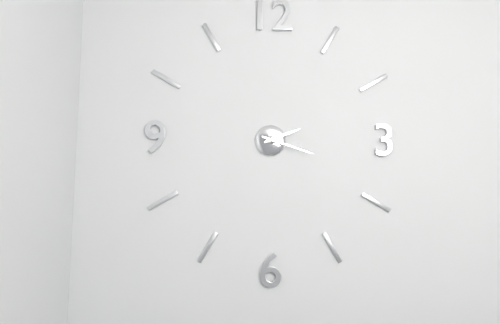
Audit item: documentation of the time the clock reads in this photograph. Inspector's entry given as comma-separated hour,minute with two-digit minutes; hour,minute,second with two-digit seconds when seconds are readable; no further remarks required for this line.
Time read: 2,18
